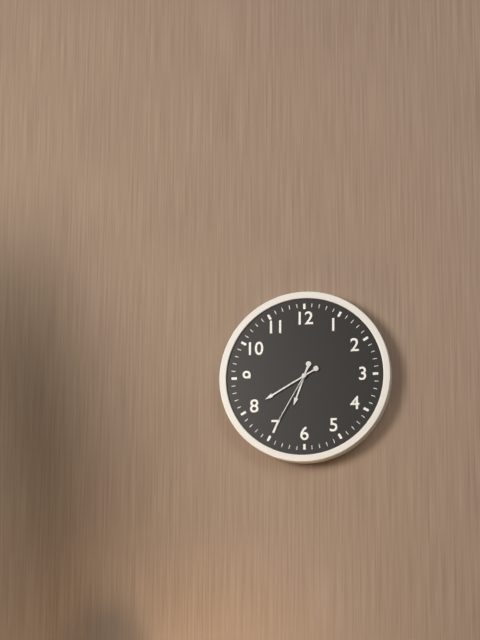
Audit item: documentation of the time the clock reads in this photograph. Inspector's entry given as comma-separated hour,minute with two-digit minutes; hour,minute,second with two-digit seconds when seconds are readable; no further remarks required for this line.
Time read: 6,40,35
